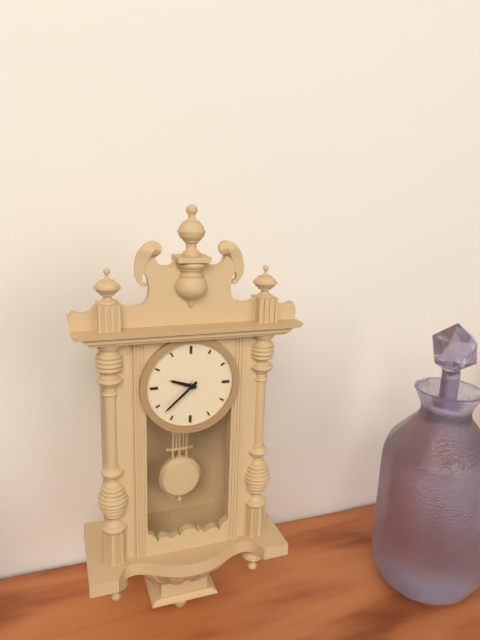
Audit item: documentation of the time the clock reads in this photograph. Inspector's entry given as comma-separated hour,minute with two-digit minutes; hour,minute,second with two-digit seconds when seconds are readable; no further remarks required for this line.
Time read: 9,38
